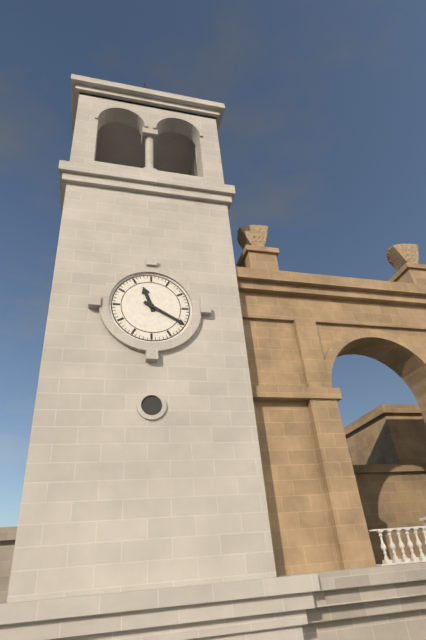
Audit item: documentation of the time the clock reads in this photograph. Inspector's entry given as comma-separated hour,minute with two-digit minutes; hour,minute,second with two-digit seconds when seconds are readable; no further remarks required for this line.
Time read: 11,20
